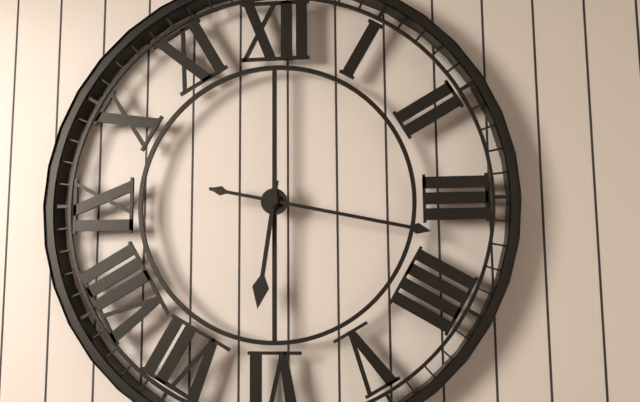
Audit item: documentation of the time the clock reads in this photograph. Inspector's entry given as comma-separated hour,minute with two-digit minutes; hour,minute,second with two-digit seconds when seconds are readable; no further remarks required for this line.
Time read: 6,17
